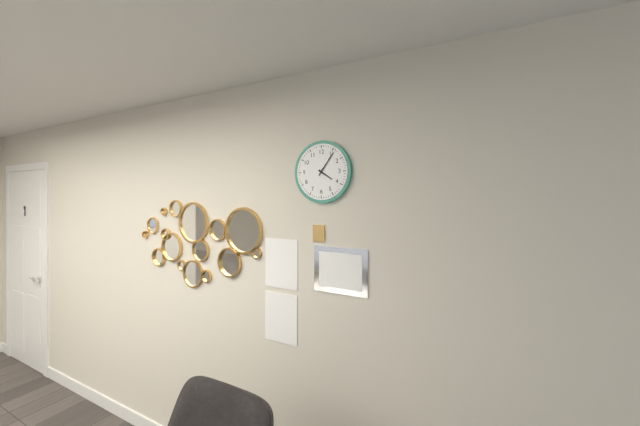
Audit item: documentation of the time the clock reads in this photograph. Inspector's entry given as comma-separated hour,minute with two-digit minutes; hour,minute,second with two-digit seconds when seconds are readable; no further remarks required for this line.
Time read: 4,06
